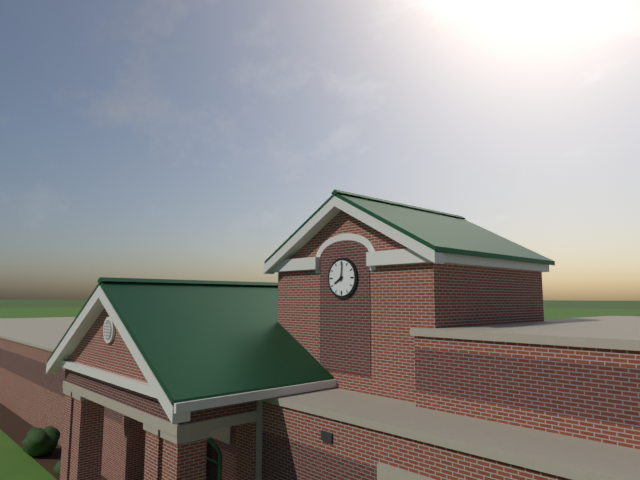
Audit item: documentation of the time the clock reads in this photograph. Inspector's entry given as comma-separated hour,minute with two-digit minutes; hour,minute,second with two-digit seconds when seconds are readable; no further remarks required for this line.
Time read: 8,01
